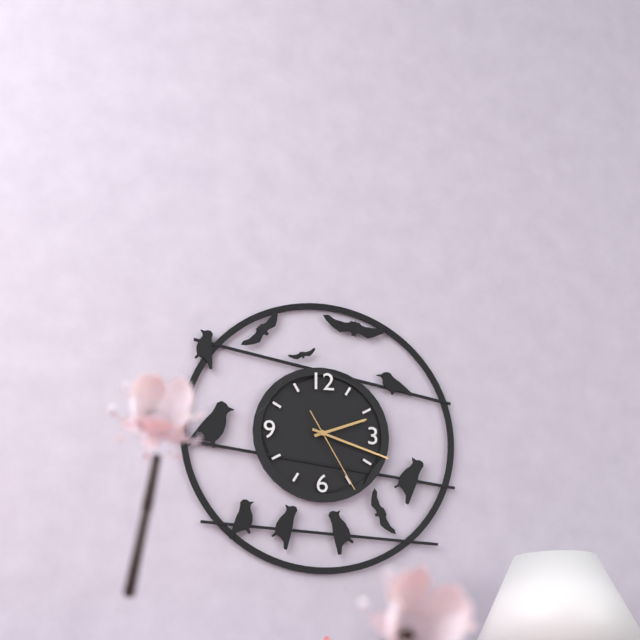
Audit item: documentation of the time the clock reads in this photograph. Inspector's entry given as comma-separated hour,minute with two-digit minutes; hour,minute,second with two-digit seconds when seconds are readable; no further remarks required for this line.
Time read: 2,18,25
